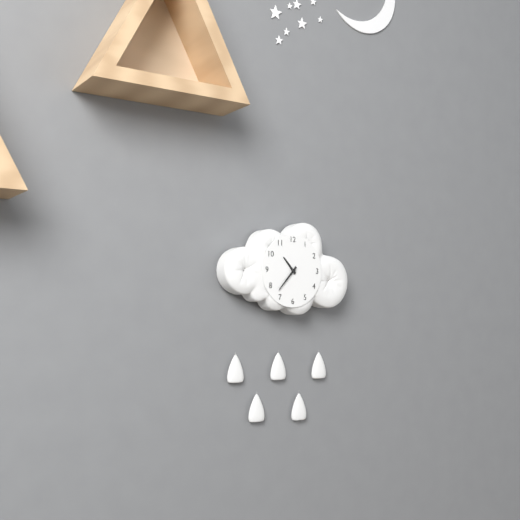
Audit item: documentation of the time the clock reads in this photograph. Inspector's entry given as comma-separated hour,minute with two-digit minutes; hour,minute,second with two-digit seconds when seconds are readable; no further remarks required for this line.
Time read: 10,37
